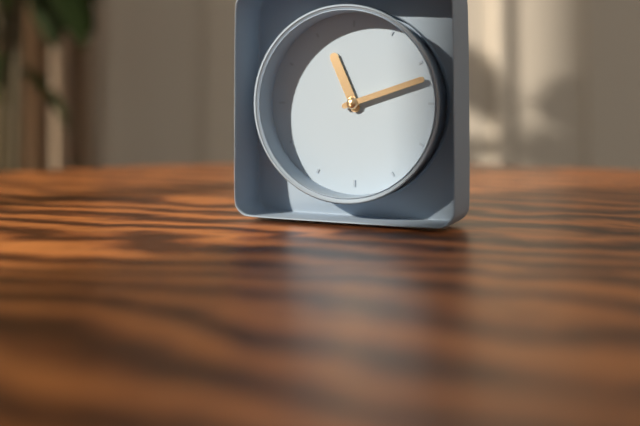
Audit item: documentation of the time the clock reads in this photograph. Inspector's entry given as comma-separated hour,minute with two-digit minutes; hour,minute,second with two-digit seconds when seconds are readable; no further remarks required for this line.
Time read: 11,12
